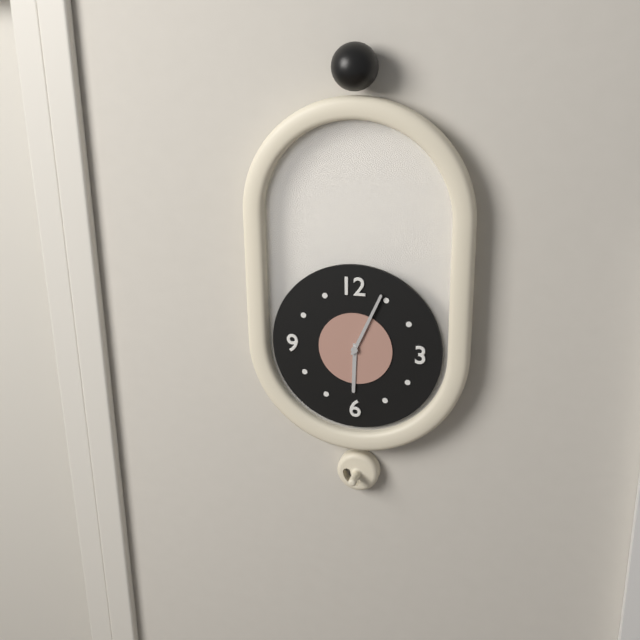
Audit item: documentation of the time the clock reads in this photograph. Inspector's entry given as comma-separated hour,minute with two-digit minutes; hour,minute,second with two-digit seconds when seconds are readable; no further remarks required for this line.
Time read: 6,04
